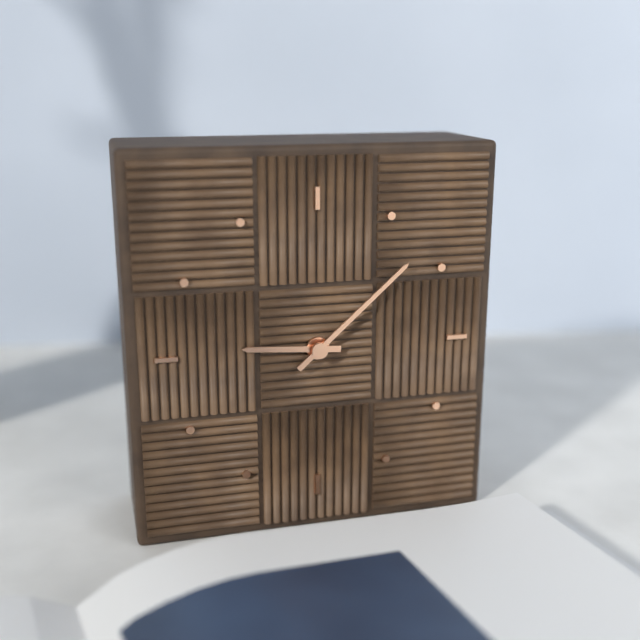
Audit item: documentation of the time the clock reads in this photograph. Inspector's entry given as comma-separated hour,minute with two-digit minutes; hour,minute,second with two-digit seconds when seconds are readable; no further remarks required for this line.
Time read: 9,08
